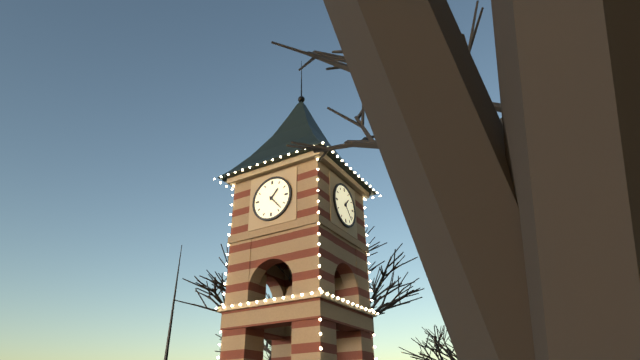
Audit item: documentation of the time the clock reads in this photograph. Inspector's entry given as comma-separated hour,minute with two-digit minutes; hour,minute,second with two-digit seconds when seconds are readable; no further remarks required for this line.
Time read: 1,23
